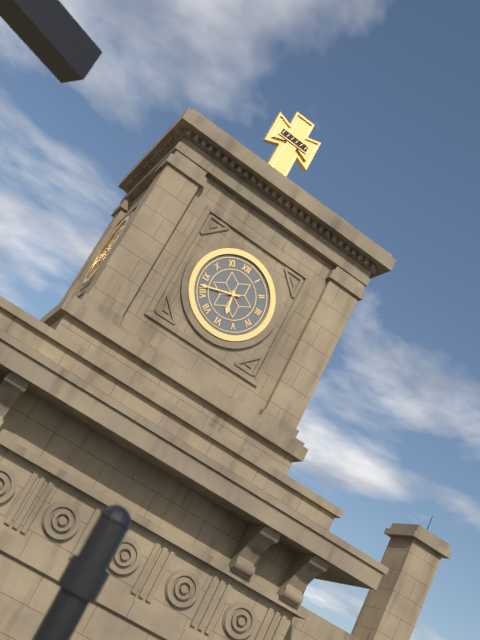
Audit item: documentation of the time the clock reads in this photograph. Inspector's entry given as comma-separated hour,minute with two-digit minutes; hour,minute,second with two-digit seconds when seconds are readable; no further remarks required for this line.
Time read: 5,42
